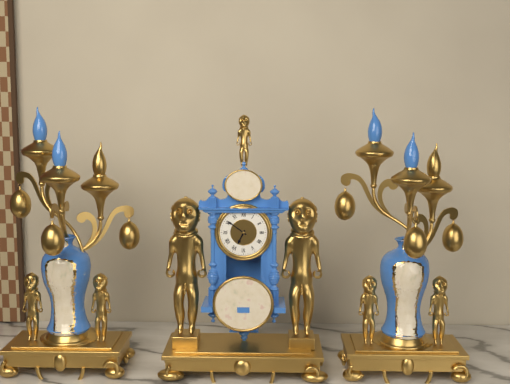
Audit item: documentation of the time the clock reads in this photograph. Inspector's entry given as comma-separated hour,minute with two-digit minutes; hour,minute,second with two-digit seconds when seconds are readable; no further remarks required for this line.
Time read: 6,51
